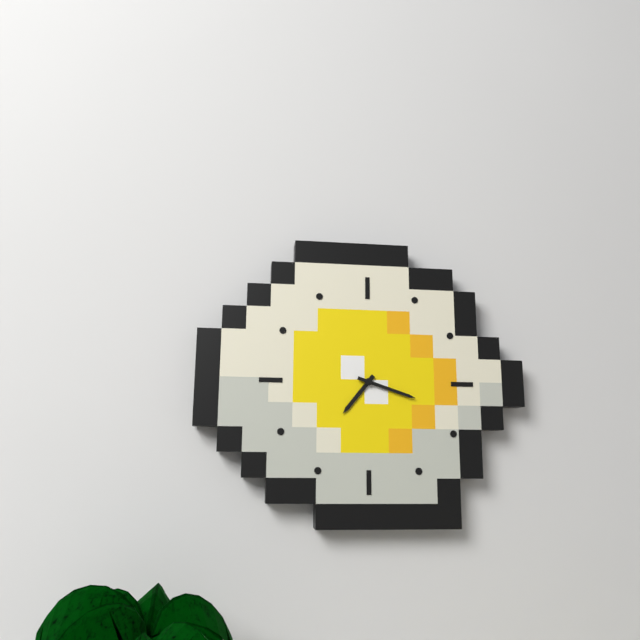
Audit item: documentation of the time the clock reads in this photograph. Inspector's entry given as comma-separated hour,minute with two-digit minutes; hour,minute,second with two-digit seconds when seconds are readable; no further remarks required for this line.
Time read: 7,18
